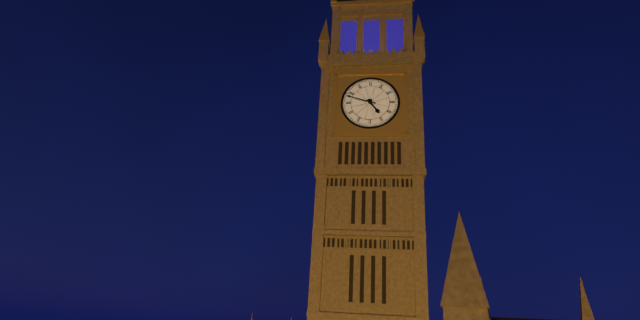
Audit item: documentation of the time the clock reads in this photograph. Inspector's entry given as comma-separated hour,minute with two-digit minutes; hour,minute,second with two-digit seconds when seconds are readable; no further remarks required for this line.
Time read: 4,48
